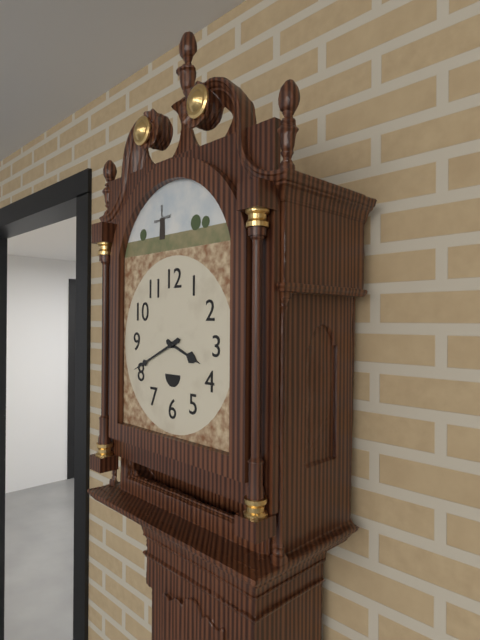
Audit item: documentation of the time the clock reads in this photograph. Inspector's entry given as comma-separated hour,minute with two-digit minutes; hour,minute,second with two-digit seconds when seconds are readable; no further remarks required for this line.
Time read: 3,41
